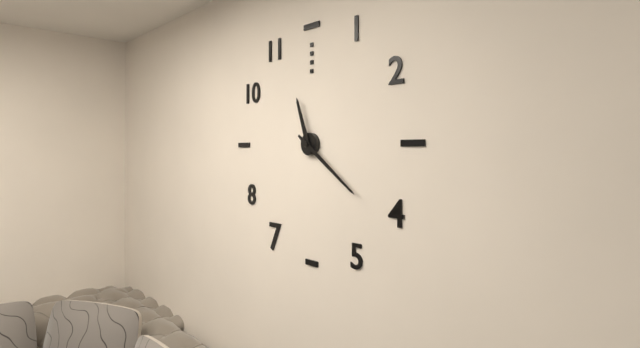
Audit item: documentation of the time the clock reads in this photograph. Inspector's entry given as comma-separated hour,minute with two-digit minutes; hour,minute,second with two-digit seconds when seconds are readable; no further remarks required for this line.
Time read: 11,21
